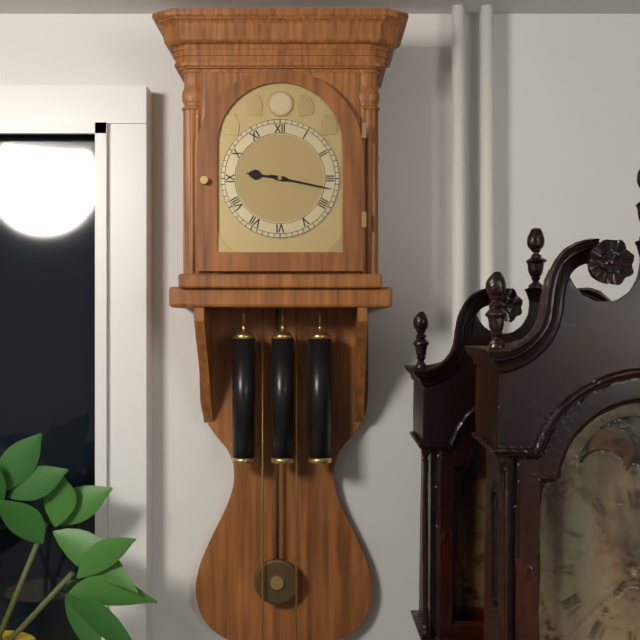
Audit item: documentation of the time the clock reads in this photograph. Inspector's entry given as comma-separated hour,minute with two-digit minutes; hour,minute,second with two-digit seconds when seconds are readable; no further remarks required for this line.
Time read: 9,17
